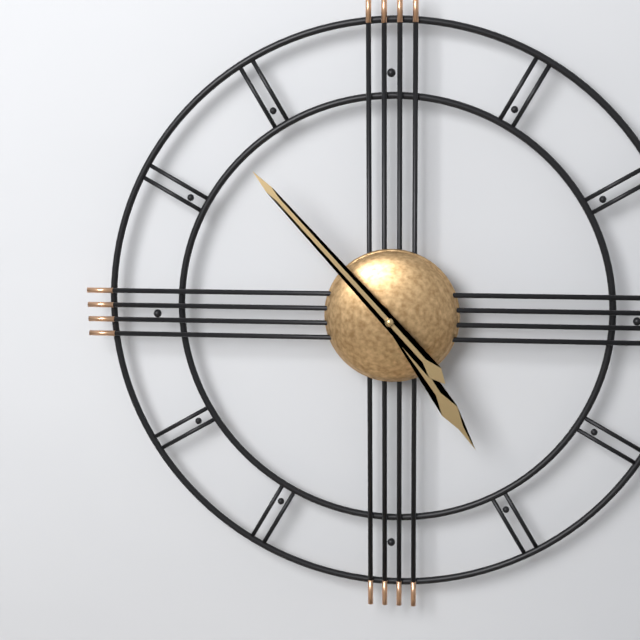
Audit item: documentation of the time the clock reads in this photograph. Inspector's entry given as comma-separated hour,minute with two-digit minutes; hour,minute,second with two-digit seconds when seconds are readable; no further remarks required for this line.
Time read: 4,53
